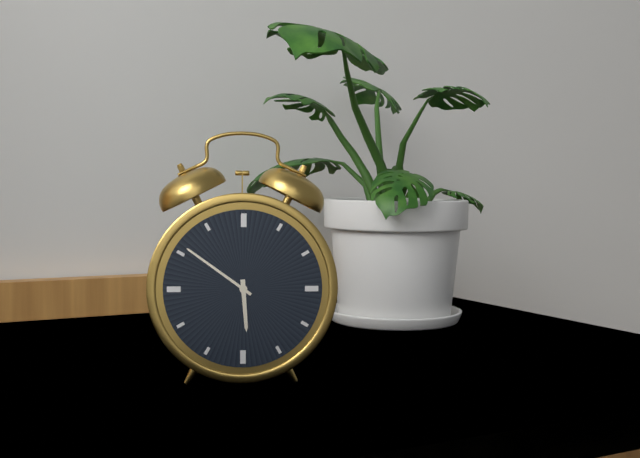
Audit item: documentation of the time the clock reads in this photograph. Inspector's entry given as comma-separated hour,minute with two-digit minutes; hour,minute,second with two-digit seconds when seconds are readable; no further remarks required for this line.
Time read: 5,51
